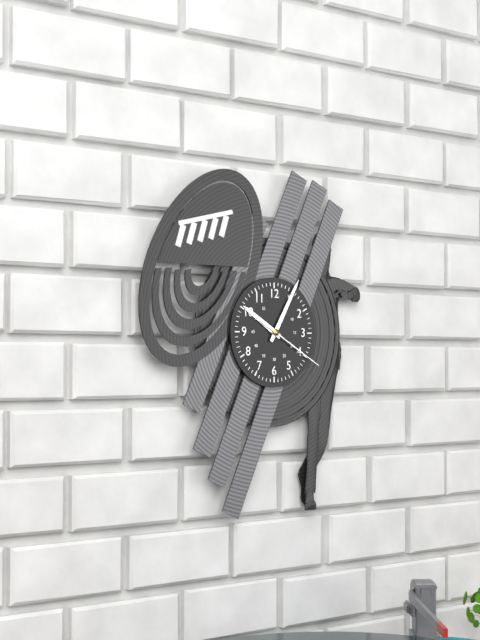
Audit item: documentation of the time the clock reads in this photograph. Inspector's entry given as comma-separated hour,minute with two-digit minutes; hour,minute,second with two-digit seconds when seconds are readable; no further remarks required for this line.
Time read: 10,05,20
